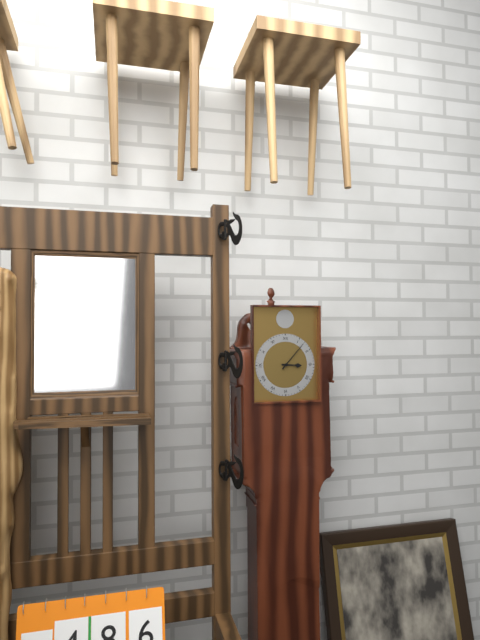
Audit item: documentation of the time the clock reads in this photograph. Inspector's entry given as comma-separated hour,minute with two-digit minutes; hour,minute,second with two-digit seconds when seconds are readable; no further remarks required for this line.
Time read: 3,07
